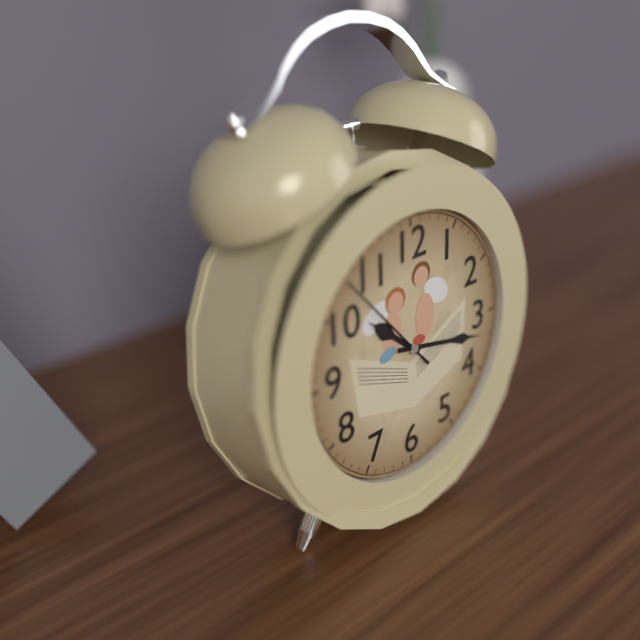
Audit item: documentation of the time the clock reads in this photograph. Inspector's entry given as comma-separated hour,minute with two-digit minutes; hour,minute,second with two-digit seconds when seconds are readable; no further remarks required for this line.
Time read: 10,17,53
